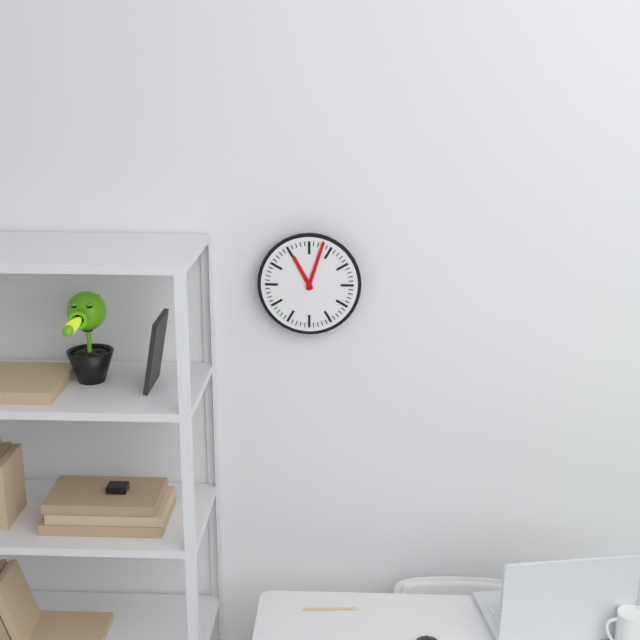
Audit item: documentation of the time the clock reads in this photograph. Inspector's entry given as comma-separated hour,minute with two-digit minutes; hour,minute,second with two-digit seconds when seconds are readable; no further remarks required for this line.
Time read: 11,03
